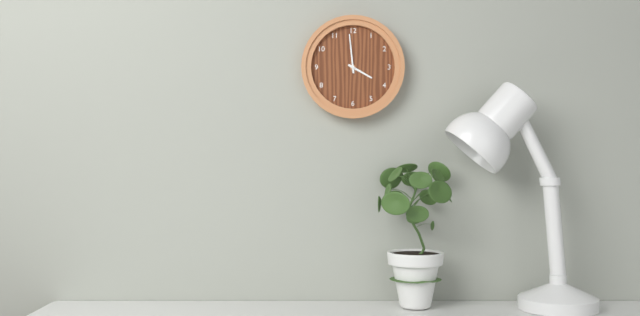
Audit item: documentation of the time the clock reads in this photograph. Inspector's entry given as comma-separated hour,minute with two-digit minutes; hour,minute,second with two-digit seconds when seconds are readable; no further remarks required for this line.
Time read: 3,59
